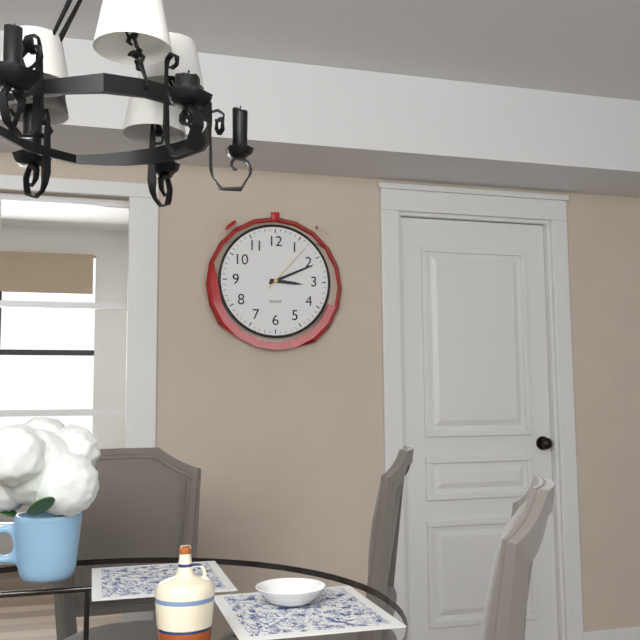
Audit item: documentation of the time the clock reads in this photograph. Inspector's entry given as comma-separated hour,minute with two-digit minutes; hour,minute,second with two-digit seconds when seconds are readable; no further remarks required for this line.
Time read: 3,11,07
